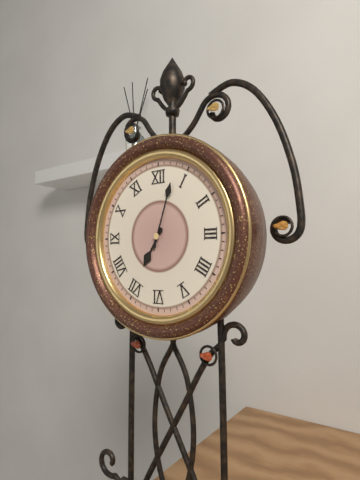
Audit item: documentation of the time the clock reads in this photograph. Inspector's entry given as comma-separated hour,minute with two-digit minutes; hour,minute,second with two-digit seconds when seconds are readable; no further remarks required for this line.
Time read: 7,03
